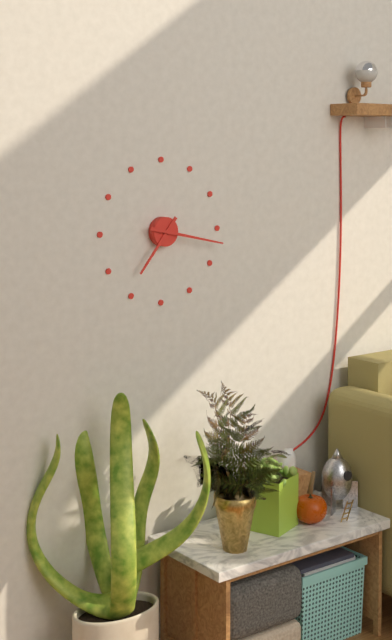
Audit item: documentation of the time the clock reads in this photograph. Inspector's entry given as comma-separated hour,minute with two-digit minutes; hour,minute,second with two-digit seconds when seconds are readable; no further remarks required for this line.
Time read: 7,17
